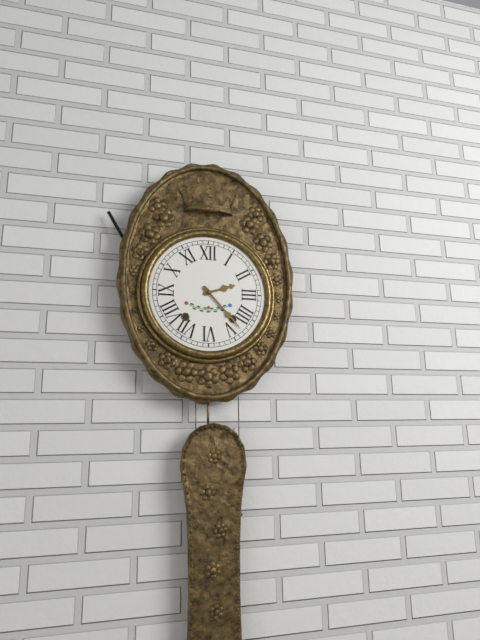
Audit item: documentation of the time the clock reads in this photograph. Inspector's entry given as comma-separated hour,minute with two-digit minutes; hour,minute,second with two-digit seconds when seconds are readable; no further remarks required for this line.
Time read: 2,23
